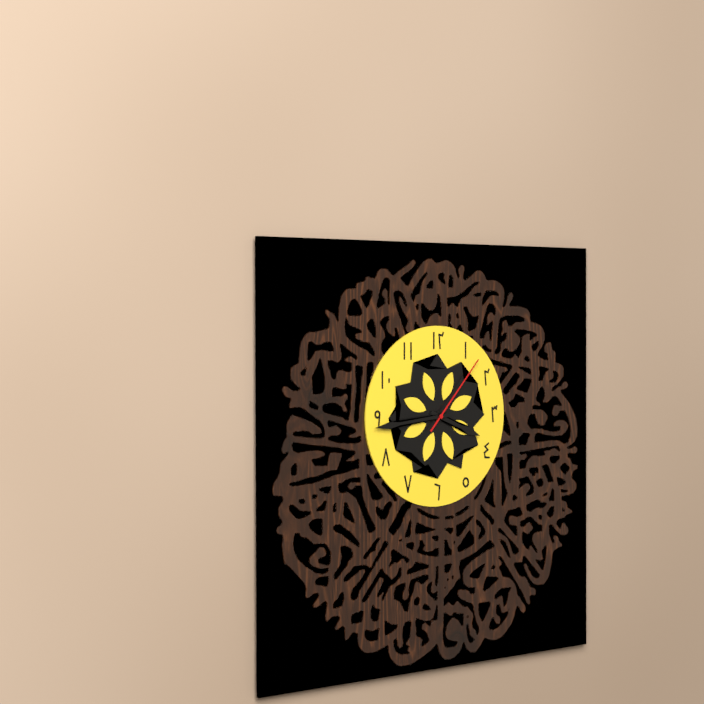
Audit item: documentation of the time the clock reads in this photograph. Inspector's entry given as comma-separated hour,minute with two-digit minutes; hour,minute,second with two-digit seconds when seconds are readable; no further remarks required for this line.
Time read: 3,44,07
